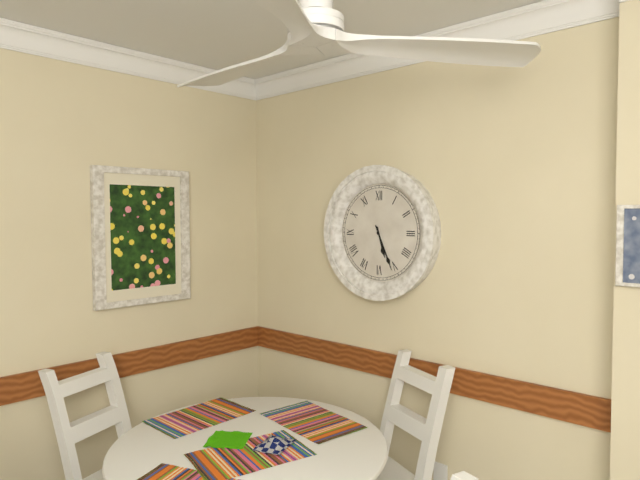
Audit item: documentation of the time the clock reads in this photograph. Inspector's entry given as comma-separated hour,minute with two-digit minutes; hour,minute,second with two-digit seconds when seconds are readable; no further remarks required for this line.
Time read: 5,26
